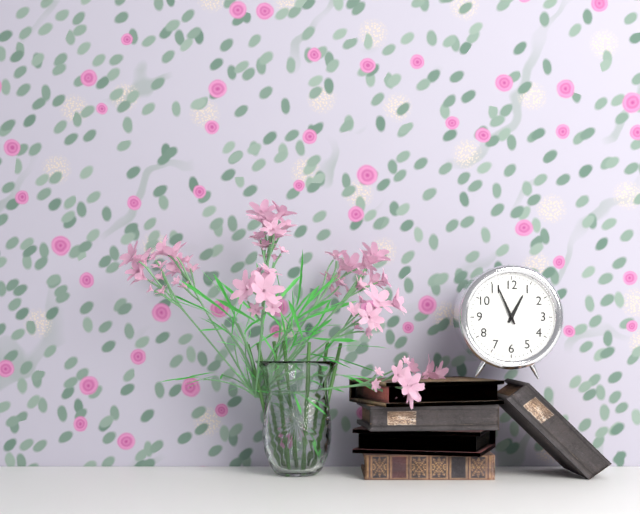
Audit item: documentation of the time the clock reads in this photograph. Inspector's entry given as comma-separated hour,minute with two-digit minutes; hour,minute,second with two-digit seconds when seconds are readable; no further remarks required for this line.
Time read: 12,56
